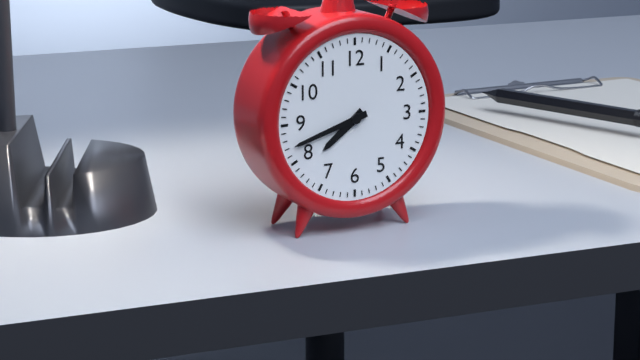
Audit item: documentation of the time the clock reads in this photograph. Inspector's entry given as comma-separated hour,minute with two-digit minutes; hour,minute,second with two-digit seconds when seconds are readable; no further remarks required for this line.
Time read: 7,42
